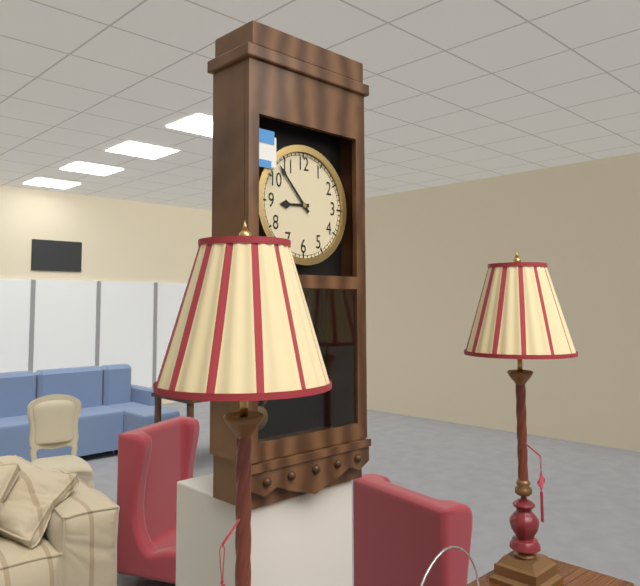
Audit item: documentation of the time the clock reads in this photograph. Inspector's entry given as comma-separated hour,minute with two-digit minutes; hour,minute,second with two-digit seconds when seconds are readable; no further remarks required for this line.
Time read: 8,53
